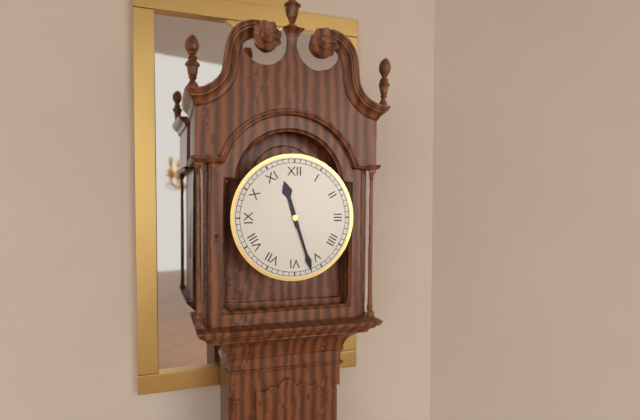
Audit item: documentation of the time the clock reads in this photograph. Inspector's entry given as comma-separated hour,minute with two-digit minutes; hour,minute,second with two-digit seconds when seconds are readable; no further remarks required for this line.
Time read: 11,27
